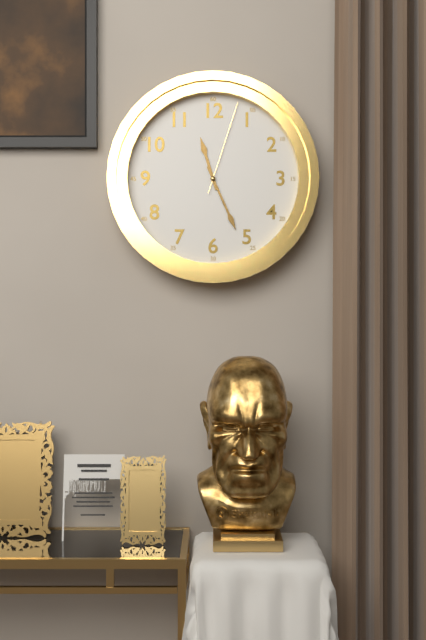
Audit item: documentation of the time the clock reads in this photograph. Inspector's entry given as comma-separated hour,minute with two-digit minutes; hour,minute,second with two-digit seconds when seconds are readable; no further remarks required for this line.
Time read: 11,26,03
